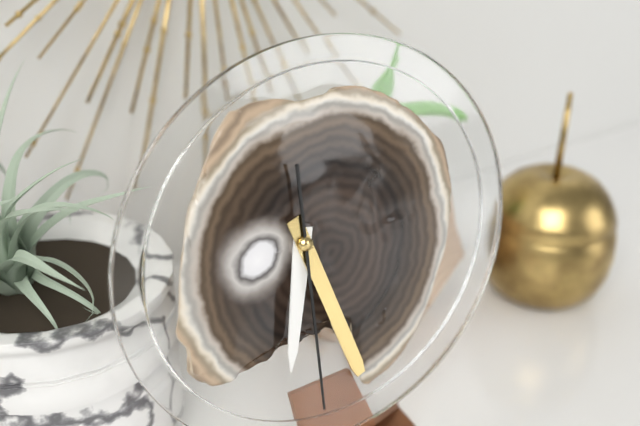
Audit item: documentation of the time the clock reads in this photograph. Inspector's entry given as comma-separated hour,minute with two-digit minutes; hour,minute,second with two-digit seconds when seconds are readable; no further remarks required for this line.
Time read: 6,27,30
